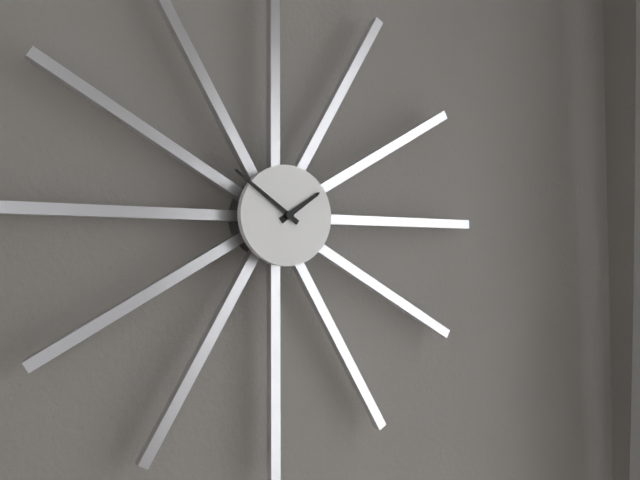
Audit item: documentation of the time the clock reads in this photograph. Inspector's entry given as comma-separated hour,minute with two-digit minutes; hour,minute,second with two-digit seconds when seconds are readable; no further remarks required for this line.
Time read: 1,51
